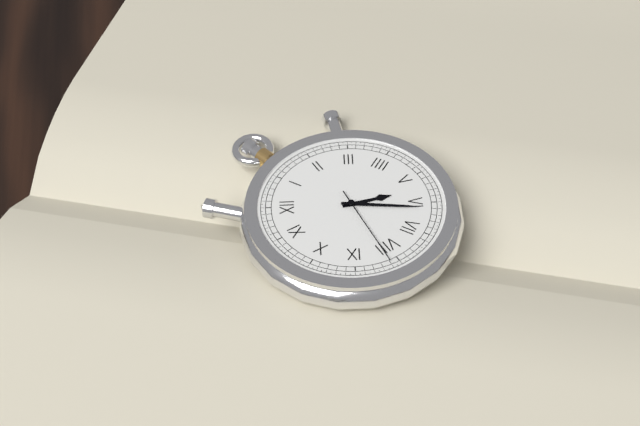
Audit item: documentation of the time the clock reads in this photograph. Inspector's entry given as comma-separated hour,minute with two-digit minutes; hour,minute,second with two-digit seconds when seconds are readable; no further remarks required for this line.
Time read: 5,31,41
